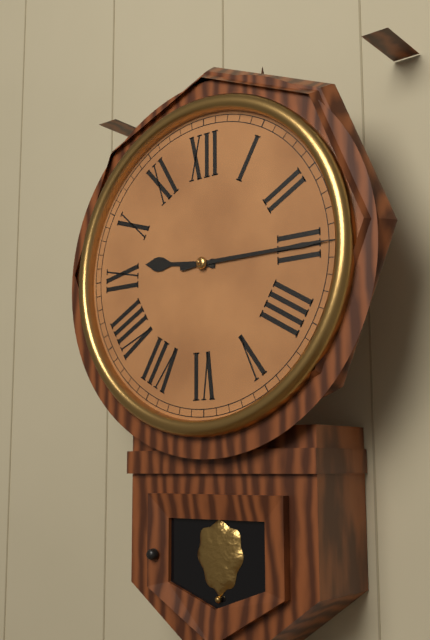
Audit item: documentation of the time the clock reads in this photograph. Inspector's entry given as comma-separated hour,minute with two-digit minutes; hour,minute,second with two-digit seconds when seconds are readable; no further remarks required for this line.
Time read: 9,15
